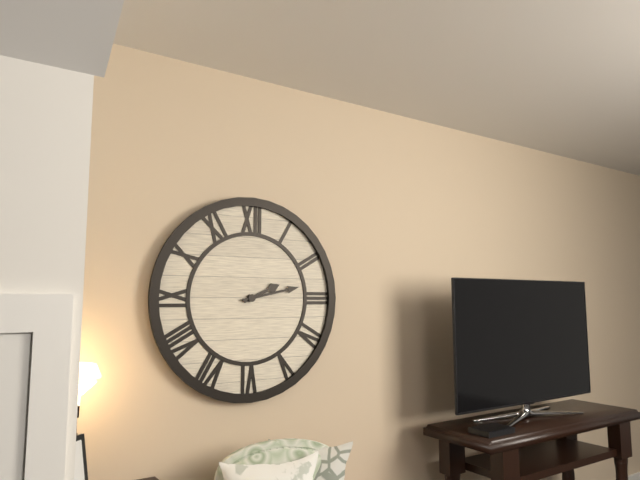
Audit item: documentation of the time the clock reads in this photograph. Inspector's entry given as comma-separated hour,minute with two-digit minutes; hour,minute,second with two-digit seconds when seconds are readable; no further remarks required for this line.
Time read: 2,13
